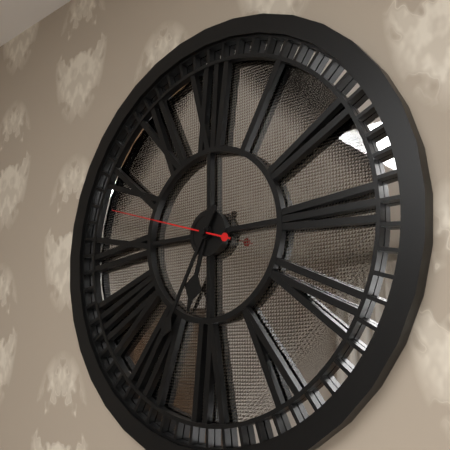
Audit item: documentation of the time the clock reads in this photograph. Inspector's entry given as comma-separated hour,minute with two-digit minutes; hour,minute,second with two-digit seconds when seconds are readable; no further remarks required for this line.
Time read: 6,35,48
